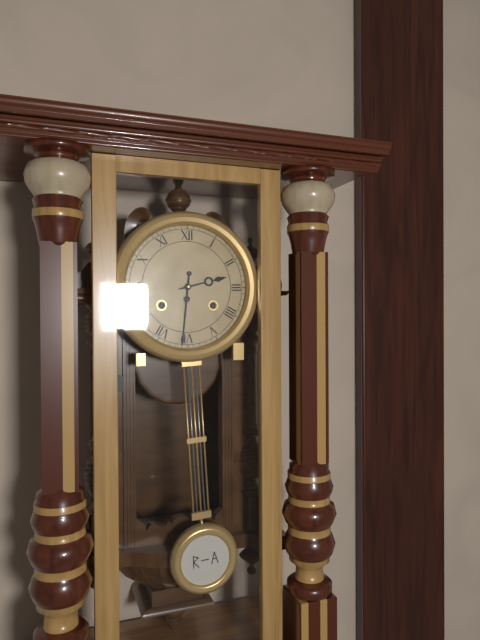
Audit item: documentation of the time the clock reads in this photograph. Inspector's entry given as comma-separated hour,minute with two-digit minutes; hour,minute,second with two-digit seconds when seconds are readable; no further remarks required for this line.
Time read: 2,31
